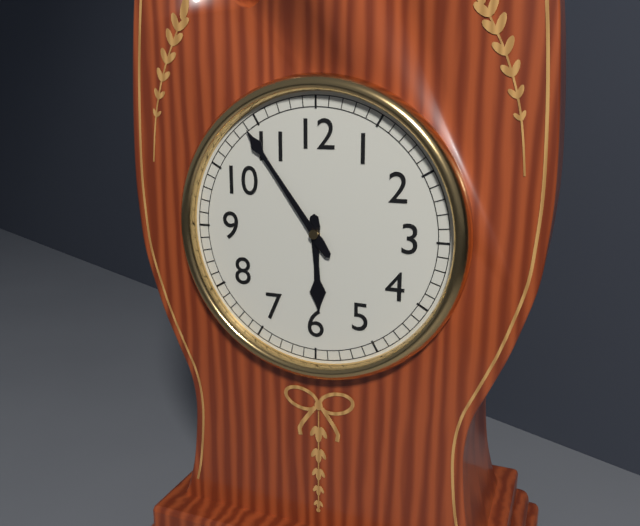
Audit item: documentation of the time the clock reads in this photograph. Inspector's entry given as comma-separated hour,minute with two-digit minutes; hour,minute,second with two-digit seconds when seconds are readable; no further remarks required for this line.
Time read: 5,54
